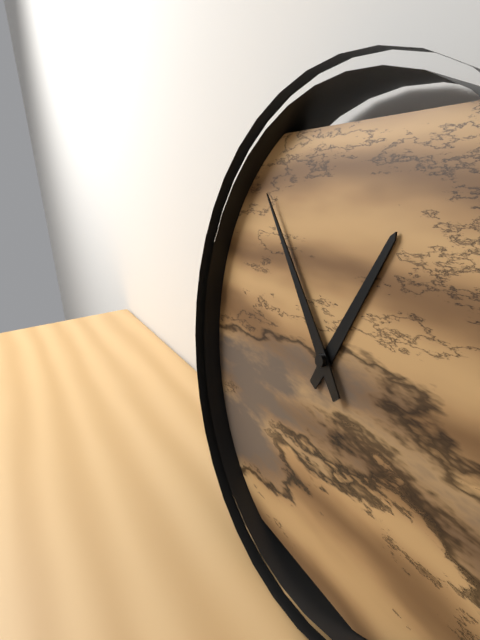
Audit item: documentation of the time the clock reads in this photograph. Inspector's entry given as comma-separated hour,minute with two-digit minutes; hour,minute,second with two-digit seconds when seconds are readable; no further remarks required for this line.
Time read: 12,53
